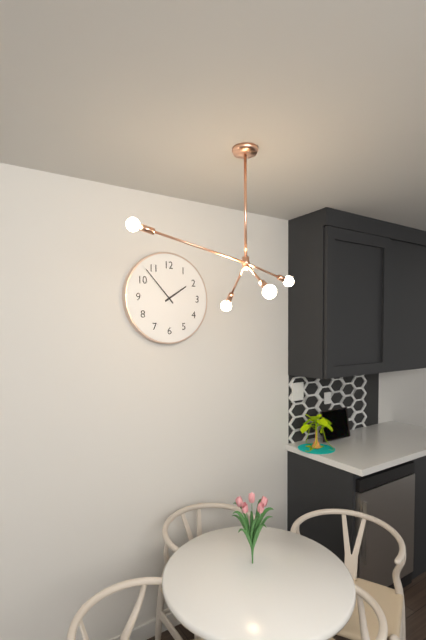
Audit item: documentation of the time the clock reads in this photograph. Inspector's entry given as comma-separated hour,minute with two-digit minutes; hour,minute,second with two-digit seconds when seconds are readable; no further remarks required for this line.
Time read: 1,53
